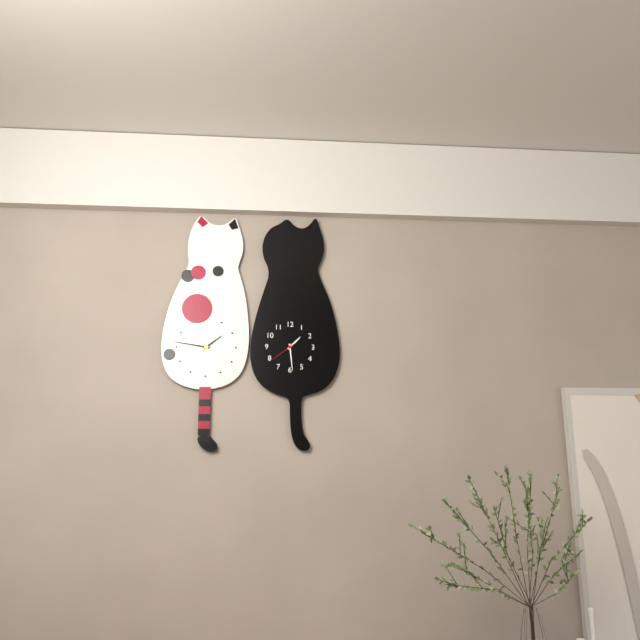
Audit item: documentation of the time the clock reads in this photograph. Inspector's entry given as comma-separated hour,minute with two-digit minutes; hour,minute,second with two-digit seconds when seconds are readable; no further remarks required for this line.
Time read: 1,29
